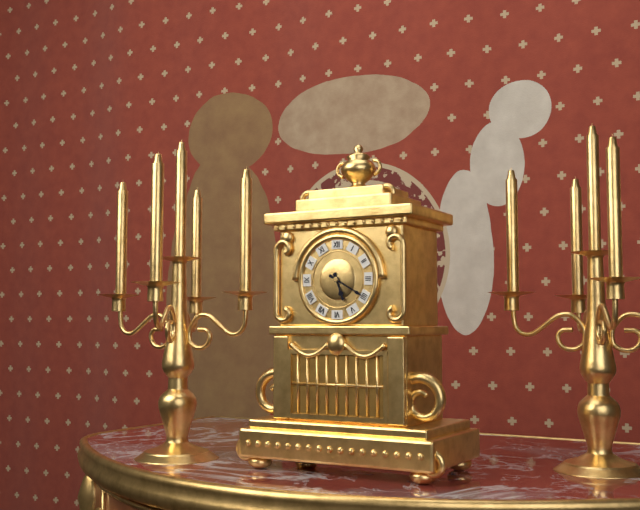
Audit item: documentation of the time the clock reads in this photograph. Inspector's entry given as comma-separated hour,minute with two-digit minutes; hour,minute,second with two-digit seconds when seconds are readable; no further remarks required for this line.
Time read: 5,20
